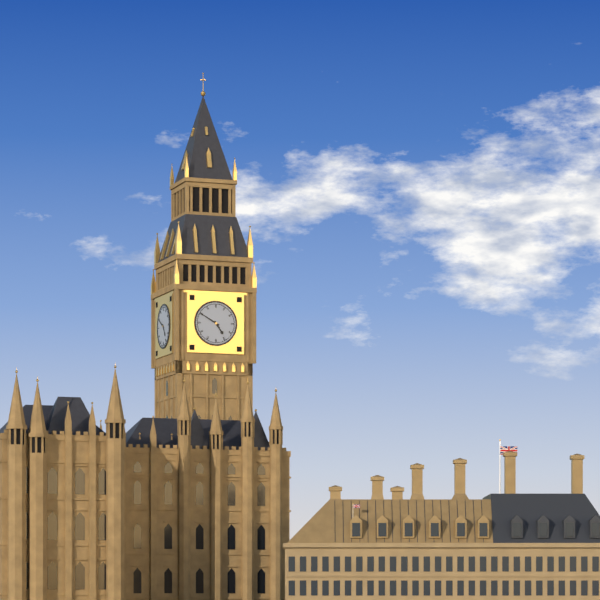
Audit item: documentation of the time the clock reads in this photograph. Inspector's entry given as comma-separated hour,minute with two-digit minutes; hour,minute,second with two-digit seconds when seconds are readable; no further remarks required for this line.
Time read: 4,50
